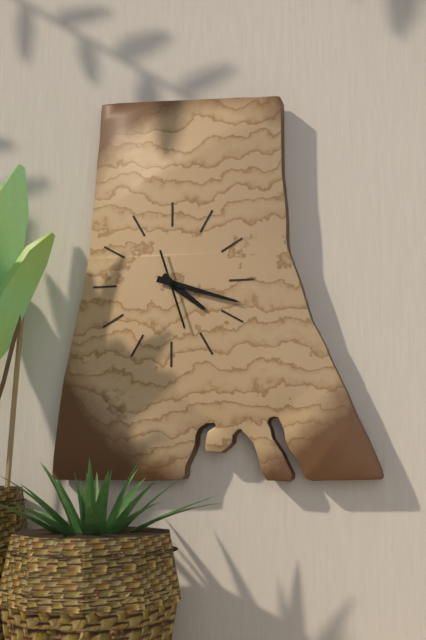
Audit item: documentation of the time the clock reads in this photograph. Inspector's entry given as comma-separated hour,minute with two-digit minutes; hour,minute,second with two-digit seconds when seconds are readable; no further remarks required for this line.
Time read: 4,18,27
